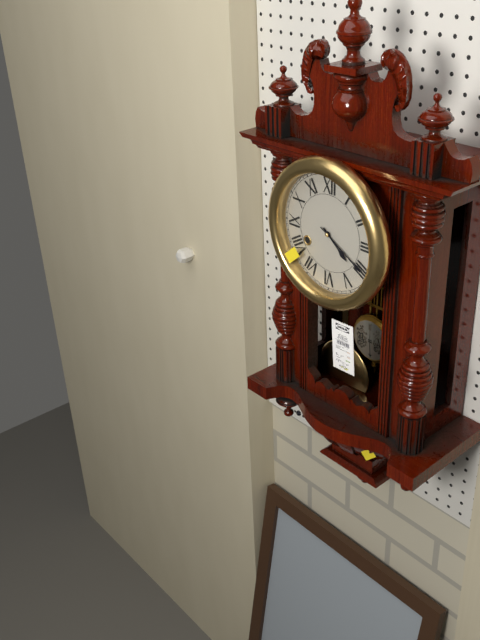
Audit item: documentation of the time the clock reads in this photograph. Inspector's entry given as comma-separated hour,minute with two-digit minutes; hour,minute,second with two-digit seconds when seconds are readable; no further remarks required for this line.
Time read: 4,20
